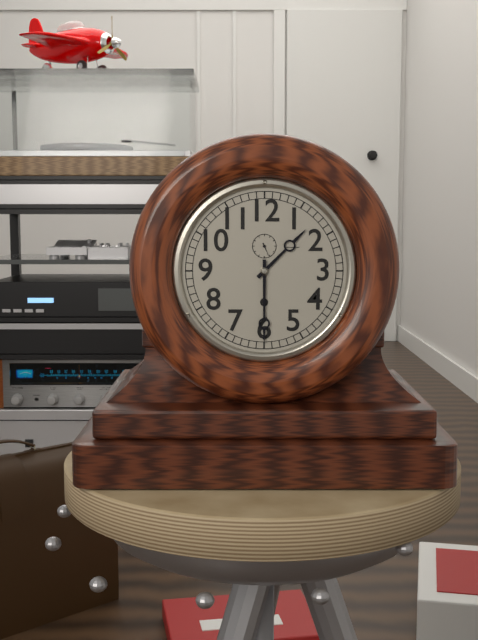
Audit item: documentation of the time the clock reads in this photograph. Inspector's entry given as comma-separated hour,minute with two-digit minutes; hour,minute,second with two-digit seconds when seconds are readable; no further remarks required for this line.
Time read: 1,30
